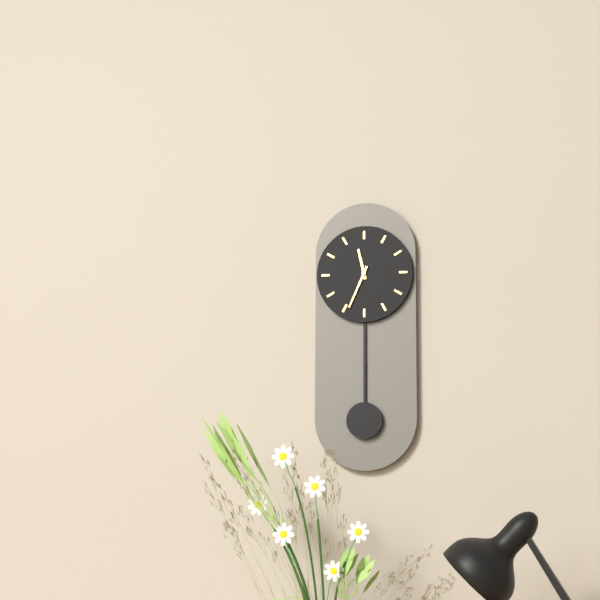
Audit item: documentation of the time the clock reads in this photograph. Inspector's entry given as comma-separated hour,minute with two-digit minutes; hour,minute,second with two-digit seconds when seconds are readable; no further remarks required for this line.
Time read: 11,34
